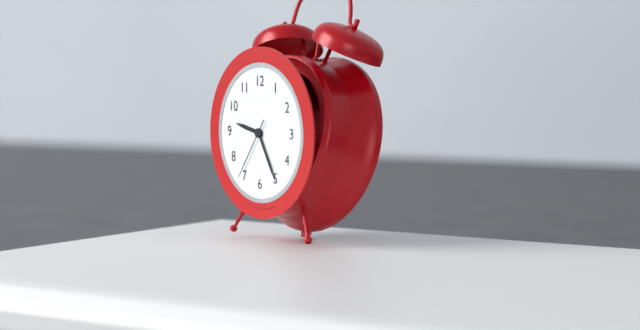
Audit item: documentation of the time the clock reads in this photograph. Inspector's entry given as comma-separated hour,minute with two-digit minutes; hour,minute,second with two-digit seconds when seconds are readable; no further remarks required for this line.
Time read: 9,25,36
